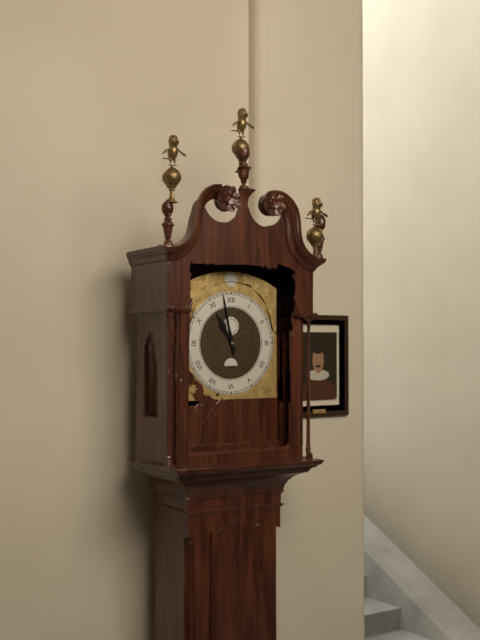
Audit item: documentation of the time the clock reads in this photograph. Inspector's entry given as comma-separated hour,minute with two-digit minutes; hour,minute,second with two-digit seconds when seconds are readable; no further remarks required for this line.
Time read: 10,58
